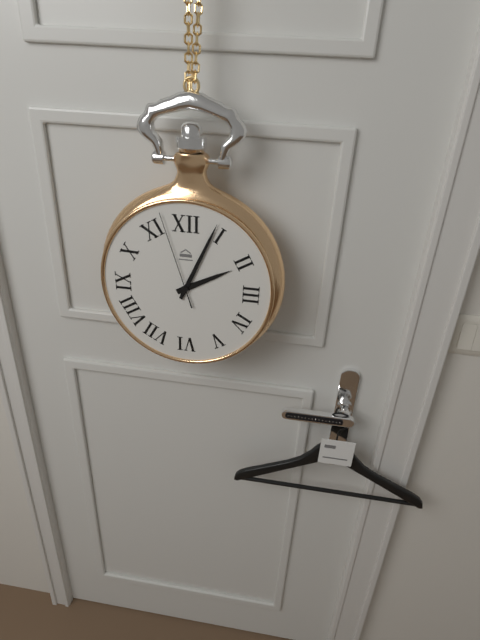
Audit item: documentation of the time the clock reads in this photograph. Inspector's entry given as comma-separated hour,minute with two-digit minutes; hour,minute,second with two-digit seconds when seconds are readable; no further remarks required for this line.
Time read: 2,04,57
